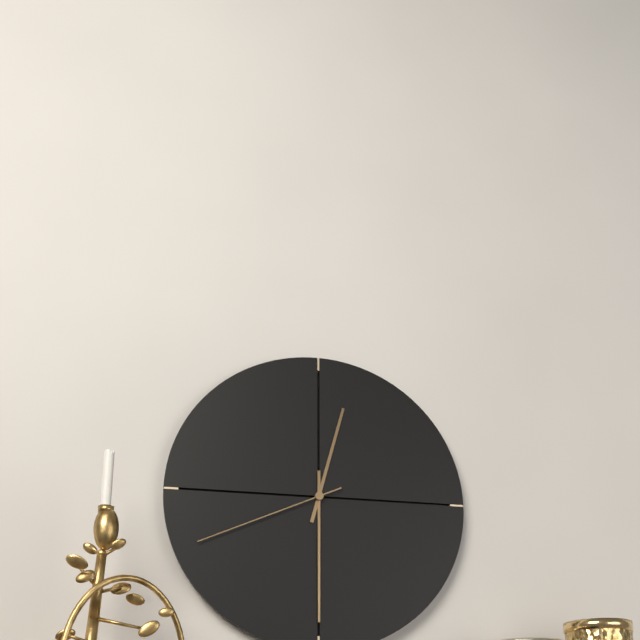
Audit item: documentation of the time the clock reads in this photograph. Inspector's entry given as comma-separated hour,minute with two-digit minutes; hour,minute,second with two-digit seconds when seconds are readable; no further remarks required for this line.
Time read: 12,30,41
